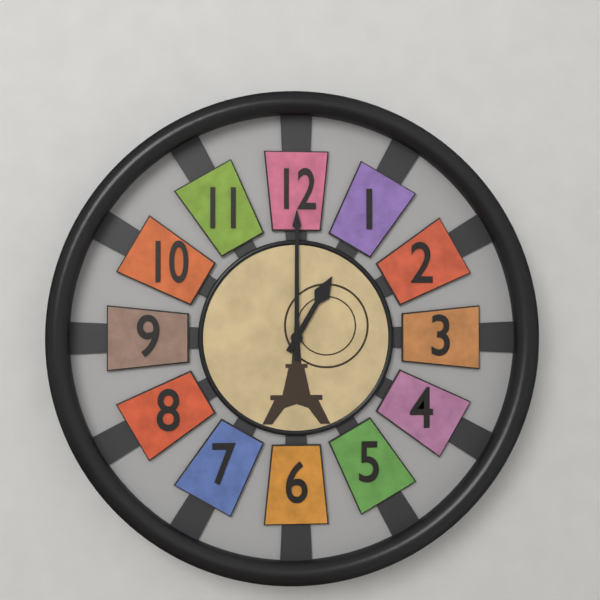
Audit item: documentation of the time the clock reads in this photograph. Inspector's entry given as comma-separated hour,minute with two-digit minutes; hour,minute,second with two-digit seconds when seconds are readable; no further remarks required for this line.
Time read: 1,00
